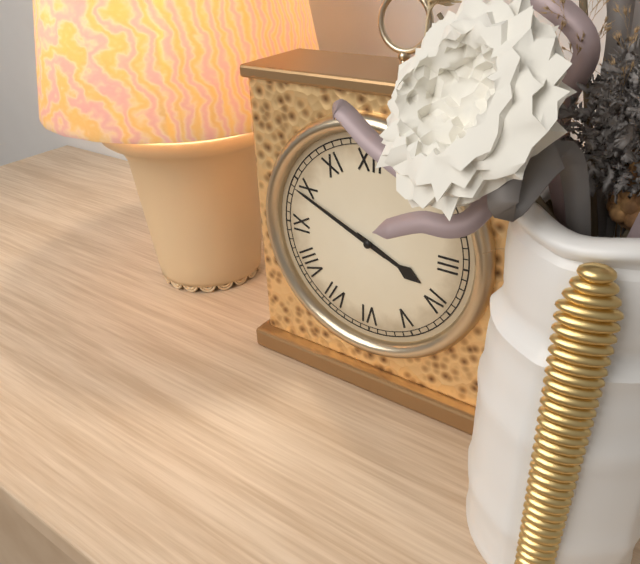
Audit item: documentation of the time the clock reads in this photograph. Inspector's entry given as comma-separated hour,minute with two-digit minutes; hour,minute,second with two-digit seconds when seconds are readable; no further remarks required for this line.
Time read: 3,49
